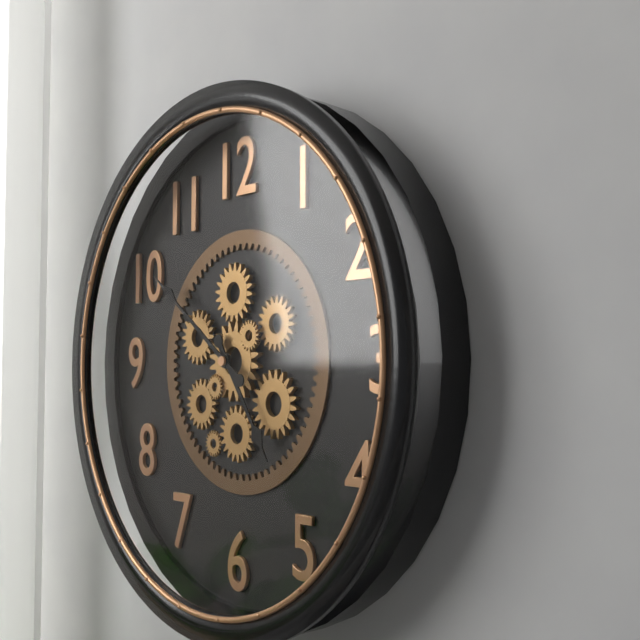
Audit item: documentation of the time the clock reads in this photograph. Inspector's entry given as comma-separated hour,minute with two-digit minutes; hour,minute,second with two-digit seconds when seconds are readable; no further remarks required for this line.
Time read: 4,51
